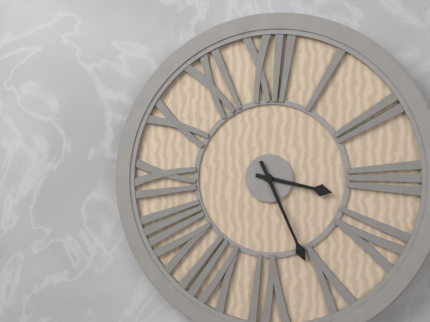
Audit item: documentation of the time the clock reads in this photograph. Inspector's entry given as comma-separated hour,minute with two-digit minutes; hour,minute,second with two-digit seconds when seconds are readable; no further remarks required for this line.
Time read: 3,26
